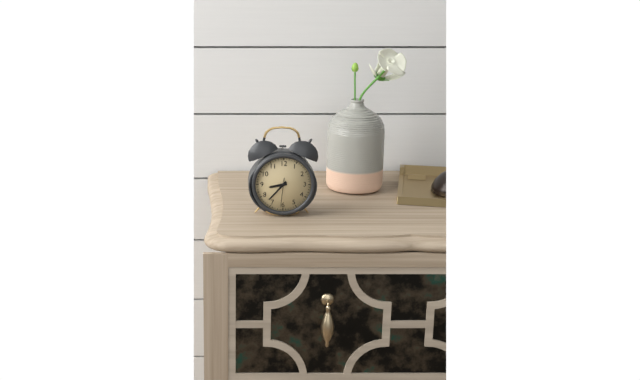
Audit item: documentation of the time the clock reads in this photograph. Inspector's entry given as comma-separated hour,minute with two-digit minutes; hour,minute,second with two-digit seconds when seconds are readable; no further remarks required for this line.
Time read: 8,37
